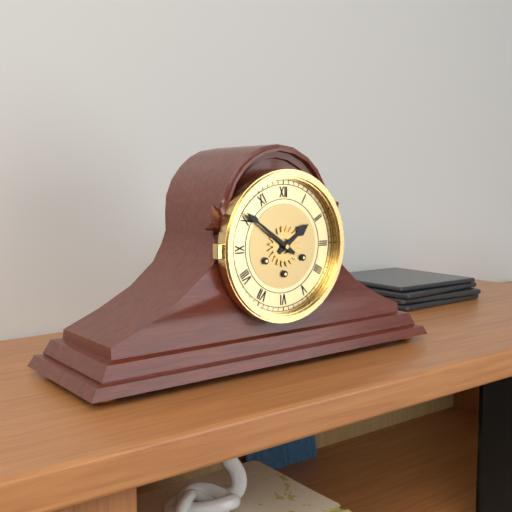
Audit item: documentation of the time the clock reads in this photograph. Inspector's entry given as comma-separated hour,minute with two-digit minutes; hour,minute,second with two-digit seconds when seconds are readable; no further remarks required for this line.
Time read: 1,51
